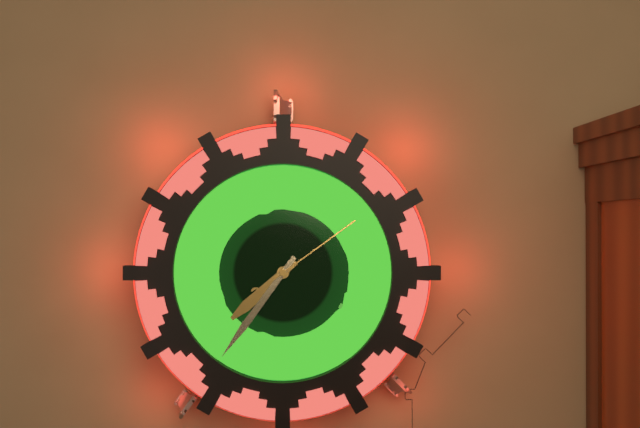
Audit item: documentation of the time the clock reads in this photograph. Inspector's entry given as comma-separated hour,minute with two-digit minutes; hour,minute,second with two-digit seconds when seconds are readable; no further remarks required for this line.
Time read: 7,36,09
